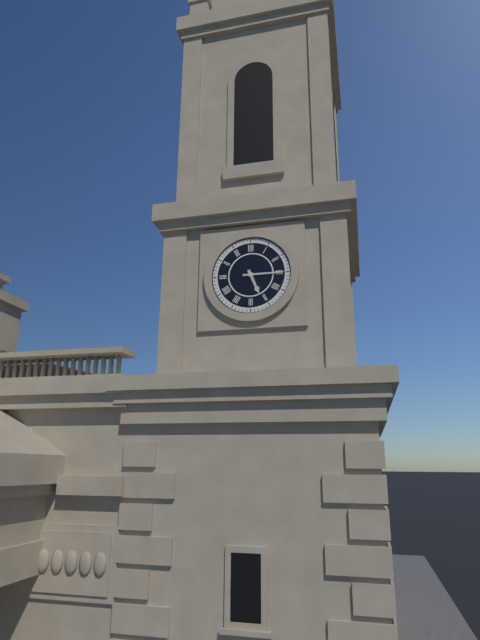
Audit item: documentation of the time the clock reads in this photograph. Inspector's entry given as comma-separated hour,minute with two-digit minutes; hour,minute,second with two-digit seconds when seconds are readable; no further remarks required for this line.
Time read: 5,15
